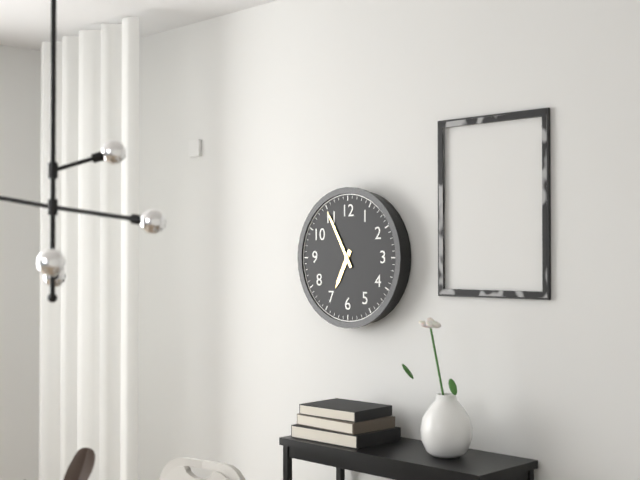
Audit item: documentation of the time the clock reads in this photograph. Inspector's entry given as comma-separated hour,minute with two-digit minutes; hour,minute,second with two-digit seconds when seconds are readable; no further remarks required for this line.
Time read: 6,55
